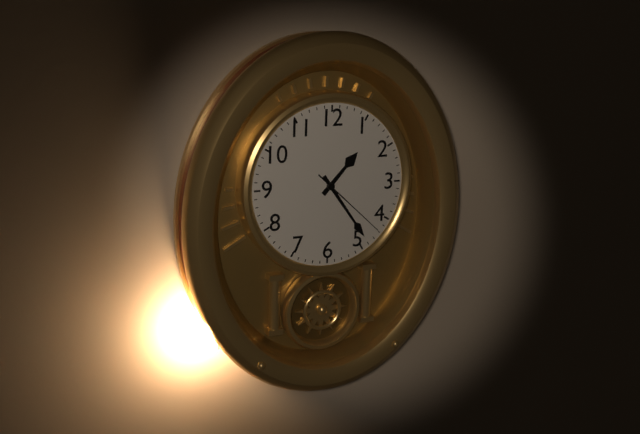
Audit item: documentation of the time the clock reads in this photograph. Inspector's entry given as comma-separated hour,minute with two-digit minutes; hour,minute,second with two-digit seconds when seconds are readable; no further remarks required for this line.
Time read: 1,24,22
